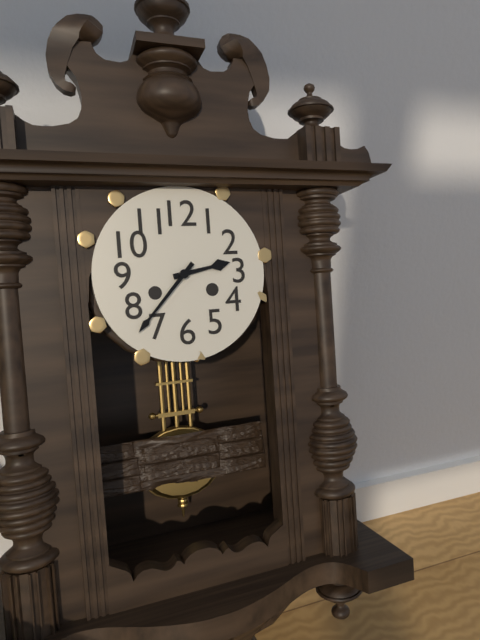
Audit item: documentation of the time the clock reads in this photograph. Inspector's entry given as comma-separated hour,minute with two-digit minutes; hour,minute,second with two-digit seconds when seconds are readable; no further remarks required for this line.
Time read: 2,37
